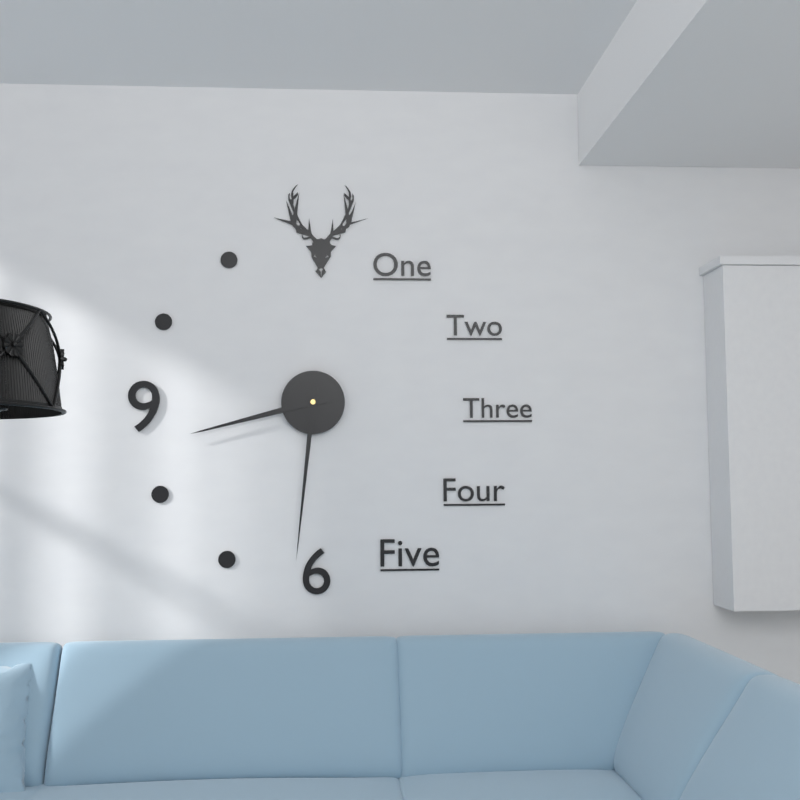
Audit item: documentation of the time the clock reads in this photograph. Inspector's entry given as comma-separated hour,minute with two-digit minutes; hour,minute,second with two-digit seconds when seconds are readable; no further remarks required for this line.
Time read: 8,31
